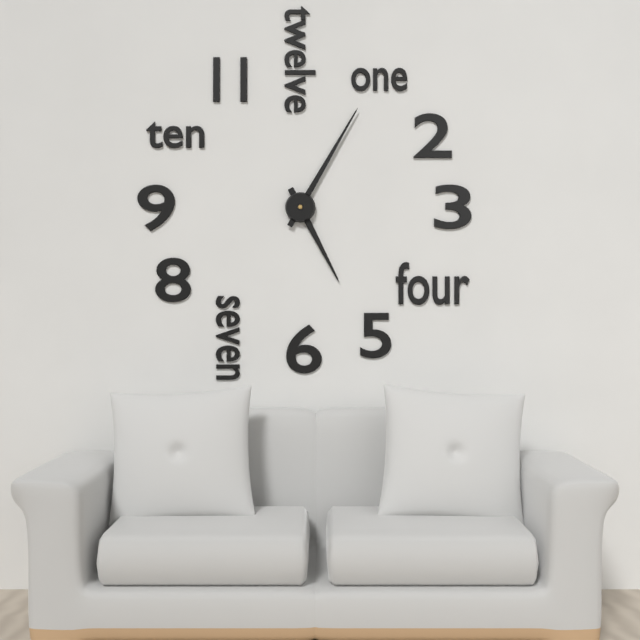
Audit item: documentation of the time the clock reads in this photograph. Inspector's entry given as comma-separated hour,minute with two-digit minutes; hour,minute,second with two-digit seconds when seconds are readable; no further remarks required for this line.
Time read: 5,05
